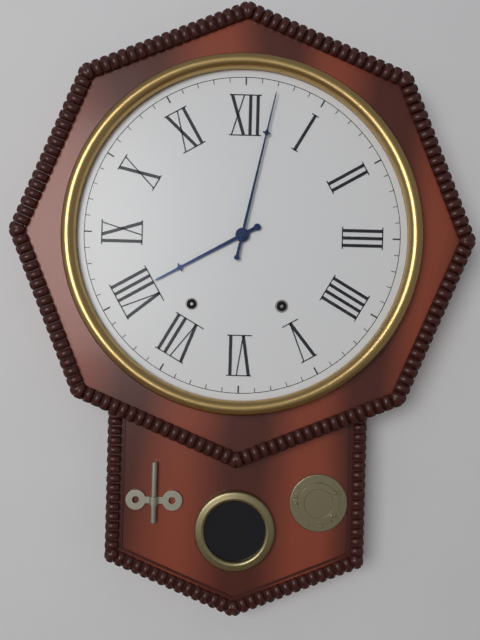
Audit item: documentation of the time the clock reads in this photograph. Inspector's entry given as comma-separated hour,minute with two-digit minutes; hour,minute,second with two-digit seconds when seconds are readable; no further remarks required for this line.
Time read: 8,02
